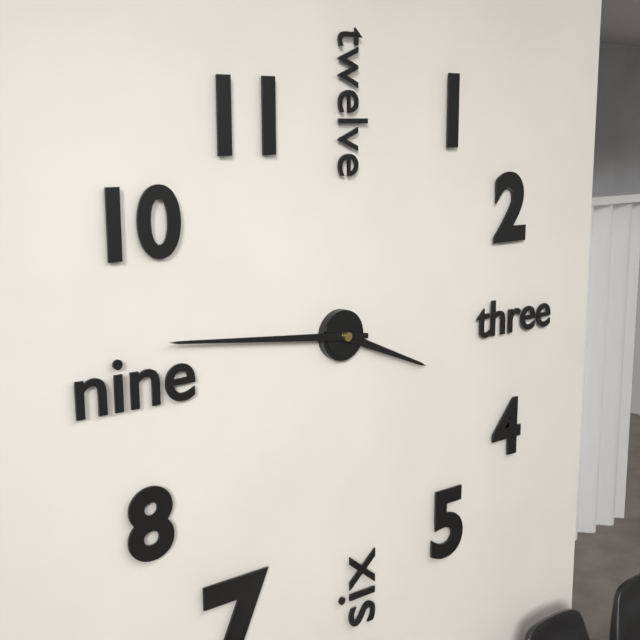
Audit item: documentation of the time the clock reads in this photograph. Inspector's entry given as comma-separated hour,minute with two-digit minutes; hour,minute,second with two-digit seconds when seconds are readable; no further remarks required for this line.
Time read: 3,46
